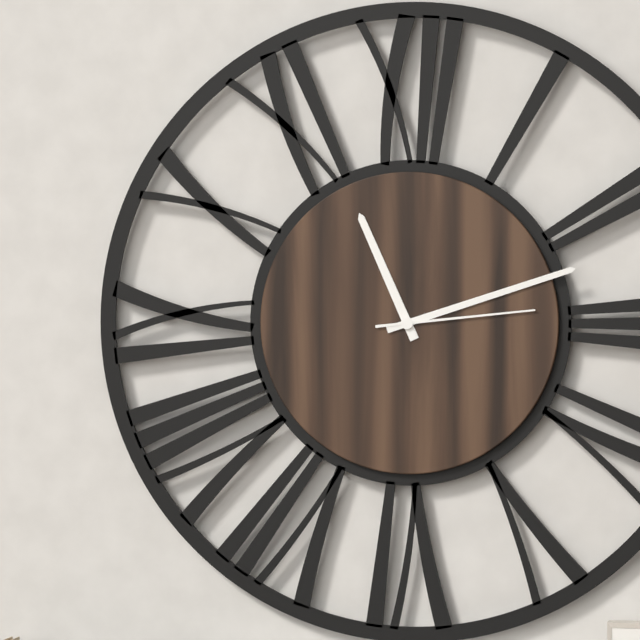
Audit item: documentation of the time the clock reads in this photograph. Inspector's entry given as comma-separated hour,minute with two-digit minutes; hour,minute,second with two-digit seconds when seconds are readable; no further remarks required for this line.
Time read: 11,12,14
